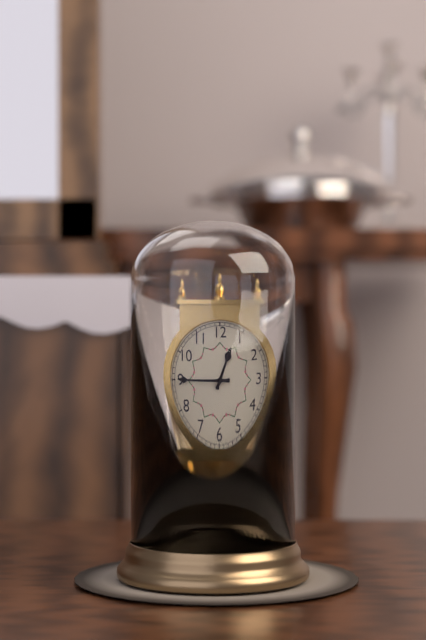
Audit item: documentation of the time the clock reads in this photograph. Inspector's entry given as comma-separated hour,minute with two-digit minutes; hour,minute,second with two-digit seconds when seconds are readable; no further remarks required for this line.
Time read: 12,45
